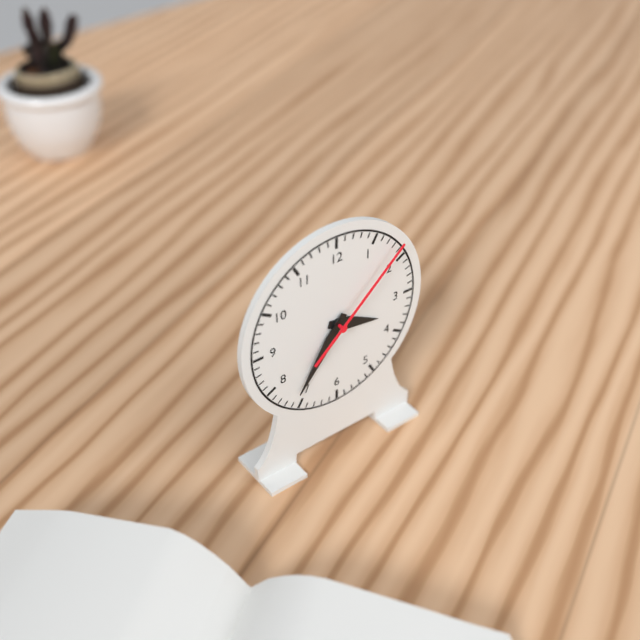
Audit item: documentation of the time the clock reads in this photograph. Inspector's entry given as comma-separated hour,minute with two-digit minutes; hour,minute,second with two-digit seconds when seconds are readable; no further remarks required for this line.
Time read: 3,36,08
